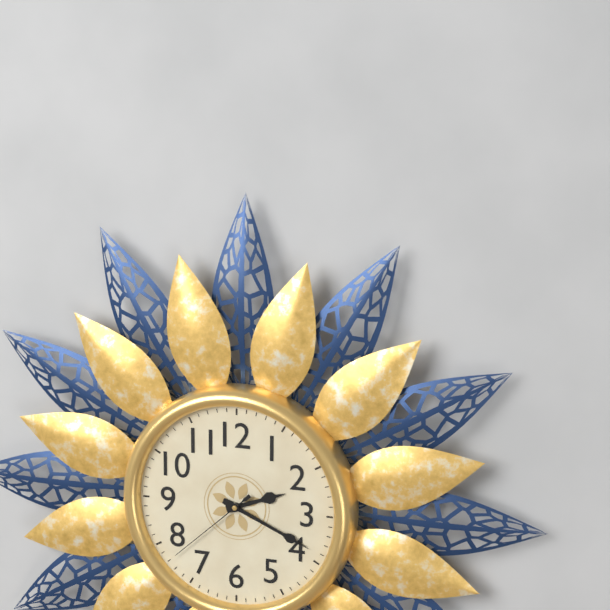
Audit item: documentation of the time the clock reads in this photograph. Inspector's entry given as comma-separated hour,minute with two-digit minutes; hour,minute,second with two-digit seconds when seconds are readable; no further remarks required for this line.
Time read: 2,19,38
